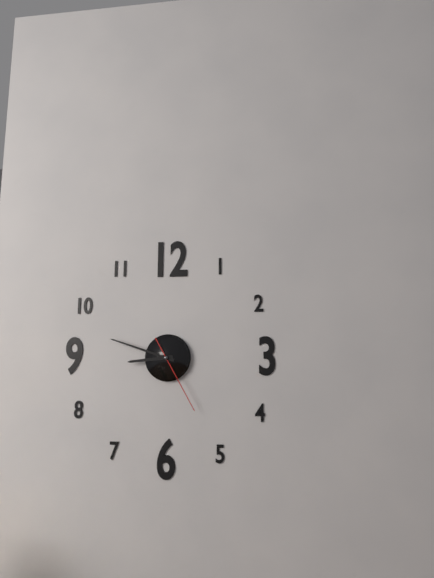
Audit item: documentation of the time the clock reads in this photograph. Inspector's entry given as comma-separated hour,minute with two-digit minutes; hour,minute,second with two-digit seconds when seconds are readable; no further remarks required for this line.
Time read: 8,48,25
